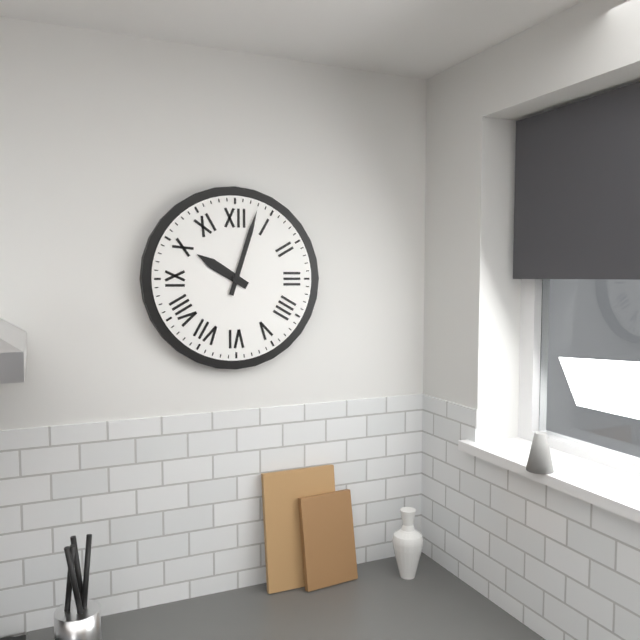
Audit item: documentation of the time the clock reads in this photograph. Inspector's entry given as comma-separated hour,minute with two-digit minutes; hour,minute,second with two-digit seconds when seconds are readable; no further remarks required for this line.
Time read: 10,03
